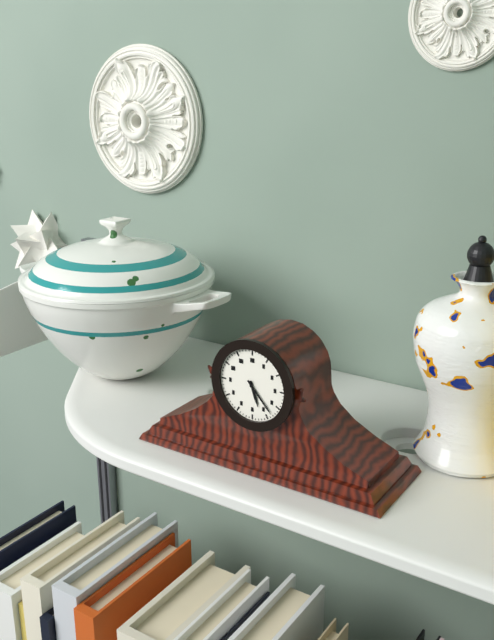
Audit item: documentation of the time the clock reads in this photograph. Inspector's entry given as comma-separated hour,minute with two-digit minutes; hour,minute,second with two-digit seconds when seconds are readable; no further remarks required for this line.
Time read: 5,23
